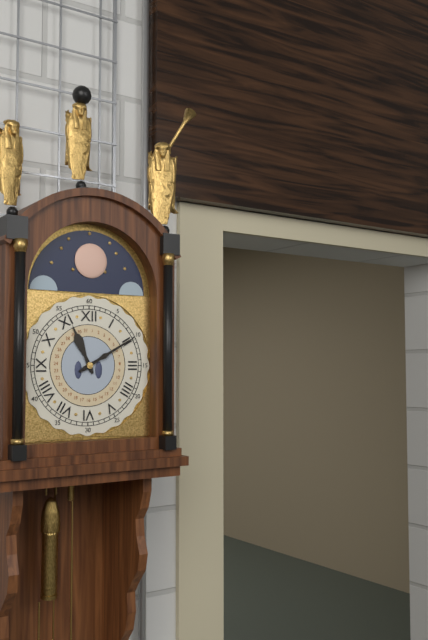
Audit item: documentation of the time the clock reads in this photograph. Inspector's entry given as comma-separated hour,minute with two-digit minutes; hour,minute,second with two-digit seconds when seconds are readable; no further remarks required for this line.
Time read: 11,10
